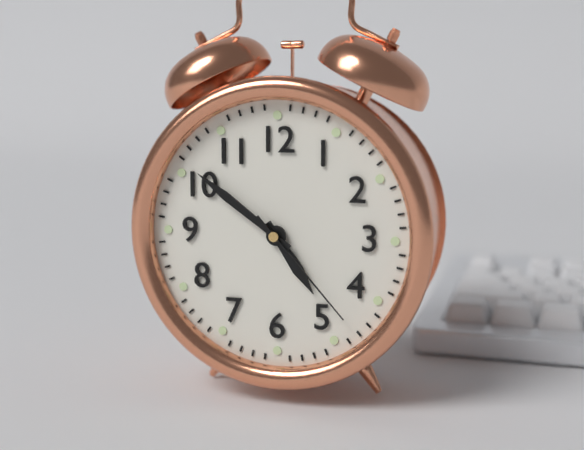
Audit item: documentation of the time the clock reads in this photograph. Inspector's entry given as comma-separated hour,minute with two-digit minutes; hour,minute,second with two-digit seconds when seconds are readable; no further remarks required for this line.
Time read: 4,51,23
